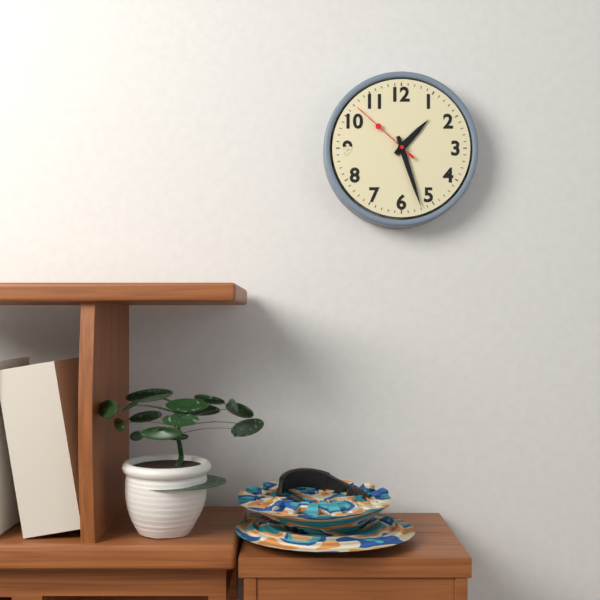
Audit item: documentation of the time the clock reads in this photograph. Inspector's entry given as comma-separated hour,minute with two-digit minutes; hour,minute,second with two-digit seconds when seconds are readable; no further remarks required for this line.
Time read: 1,27,52
